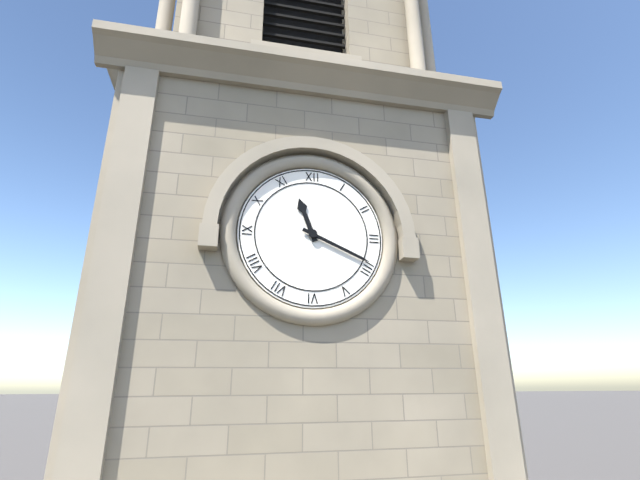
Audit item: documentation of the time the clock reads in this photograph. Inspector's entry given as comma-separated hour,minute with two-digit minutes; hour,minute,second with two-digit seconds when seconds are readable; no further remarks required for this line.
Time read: 11,19
